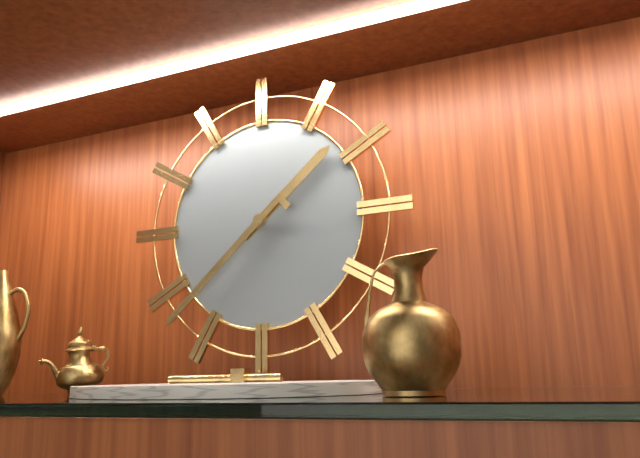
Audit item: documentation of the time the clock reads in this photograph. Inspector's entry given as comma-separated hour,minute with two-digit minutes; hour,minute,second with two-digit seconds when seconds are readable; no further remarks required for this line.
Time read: 1,38
